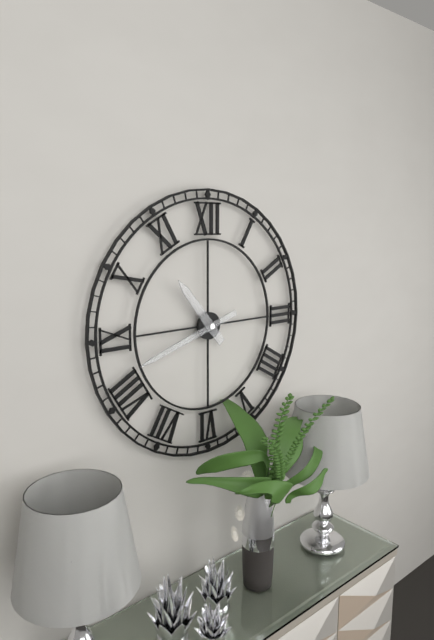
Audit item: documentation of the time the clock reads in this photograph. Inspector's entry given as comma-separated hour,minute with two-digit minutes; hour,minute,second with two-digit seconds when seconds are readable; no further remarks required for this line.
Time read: 10,42
